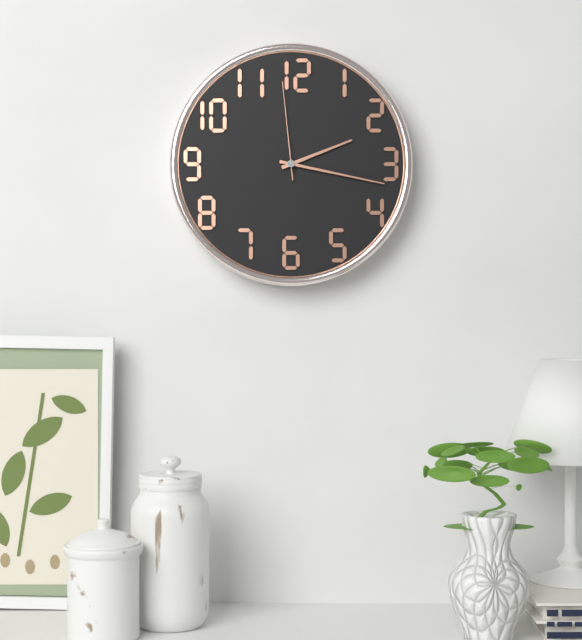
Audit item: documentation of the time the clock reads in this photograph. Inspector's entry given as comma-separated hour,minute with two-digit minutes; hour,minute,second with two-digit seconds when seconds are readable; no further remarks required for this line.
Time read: 2,17,59
